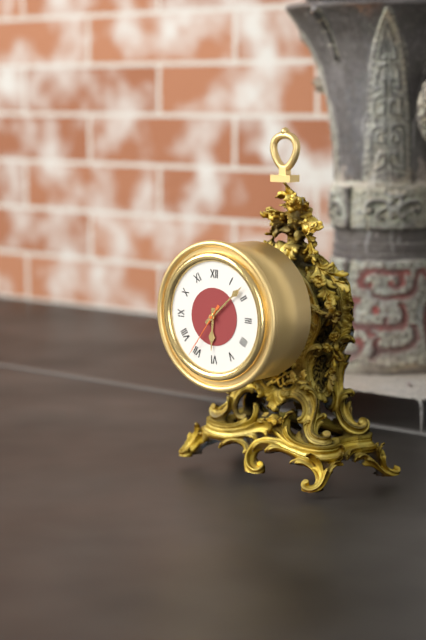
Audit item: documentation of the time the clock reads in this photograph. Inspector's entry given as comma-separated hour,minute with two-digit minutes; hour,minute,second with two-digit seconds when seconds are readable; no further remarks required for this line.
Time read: 6,08,36
